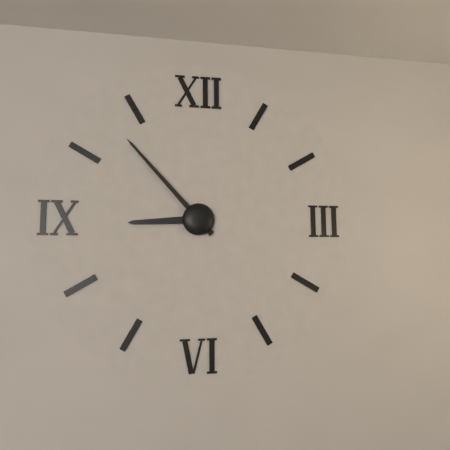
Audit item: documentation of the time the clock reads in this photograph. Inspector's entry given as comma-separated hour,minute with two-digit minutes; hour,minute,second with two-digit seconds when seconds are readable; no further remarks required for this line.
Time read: 8,53
